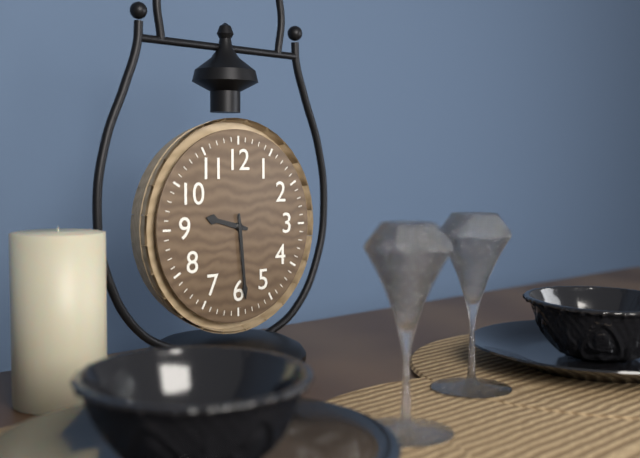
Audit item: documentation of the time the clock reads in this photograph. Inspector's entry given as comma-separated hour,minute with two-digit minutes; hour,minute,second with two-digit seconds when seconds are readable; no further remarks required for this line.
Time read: 9,29
